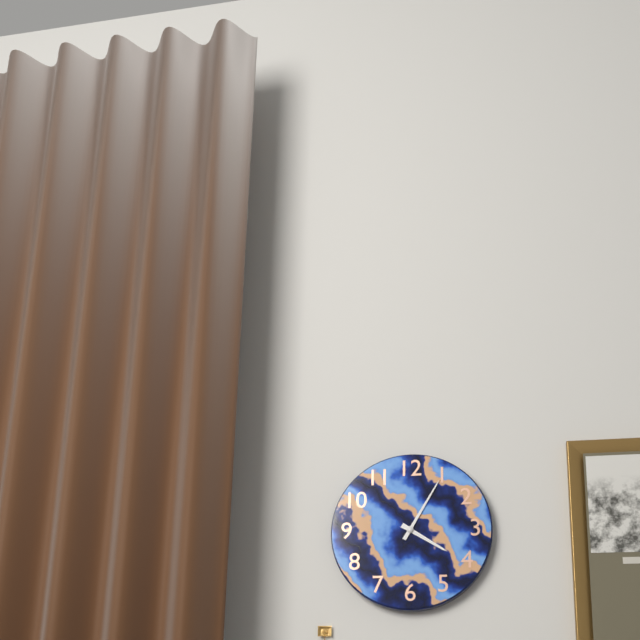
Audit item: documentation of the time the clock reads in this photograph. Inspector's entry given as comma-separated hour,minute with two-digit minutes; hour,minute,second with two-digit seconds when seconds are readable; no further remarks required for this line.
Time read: 4,05
